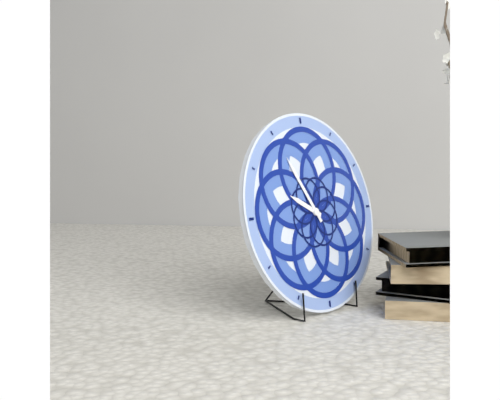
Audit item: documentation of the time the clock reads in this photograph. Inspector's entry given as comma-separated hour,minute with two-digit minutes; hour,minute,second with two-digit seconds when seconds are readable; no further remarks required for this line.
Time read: 9,55
